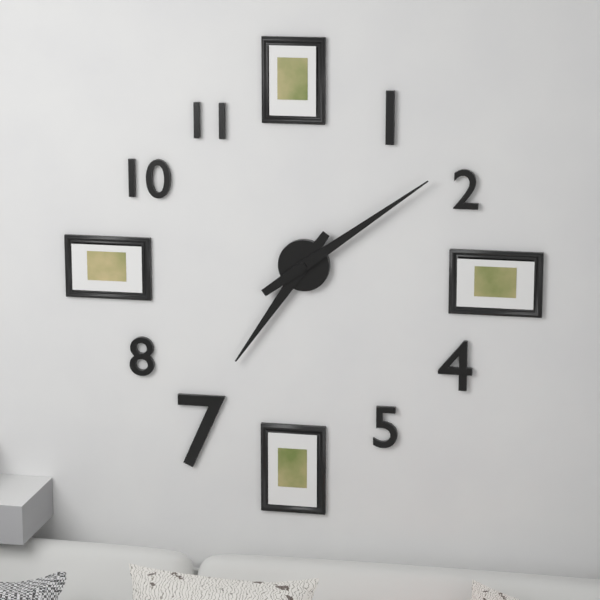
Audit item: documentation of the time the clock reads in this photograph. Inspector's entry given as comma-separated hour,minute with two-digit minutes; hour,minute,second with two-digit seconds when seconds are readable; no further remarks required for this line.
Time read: 7,09
